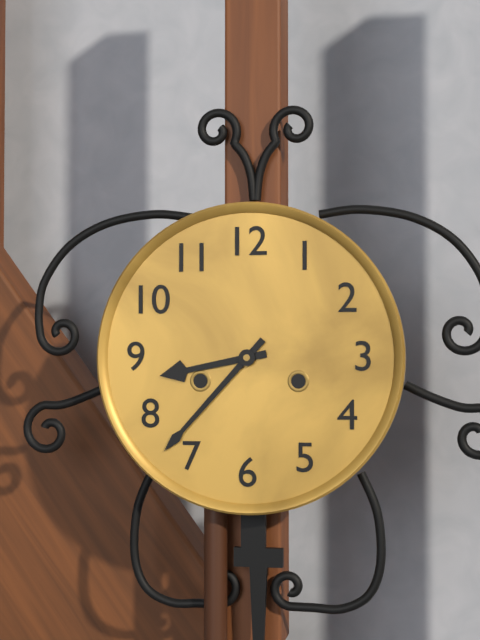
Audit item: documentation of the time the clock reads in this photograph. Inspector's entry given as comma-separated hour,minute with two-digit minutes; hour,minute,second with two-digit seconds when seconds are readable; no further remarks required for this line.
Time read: 8,37
